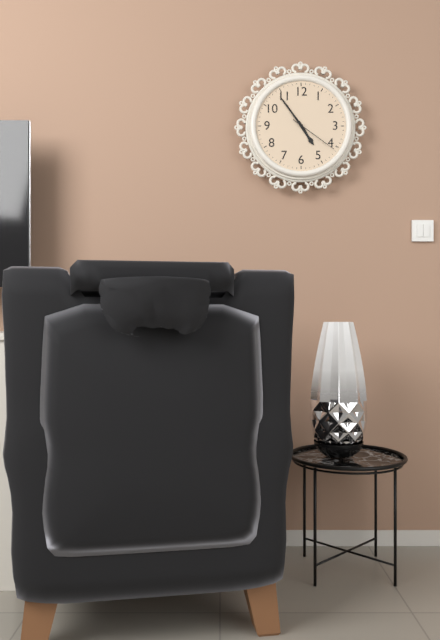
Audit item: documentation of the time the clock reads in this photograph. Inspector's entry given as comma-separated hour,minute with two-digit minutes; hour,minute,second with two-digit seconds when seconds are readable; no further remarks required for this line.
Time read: 4,54,21
